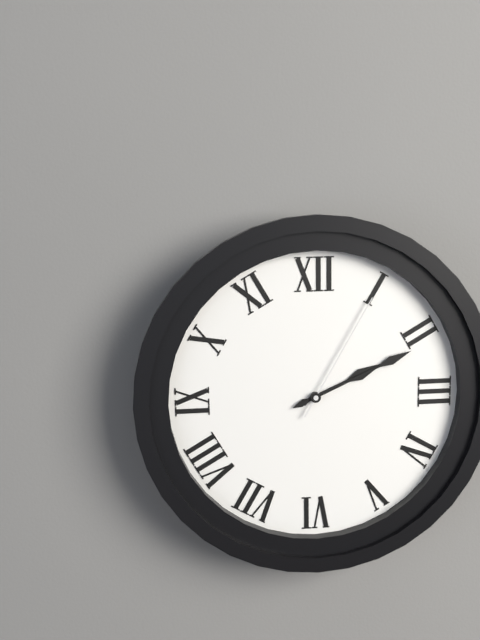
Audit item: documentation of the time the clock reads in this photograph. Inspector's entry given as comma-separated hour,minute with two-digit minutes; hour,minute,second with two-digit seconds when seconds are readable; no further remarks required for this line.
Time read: 2,11,05
